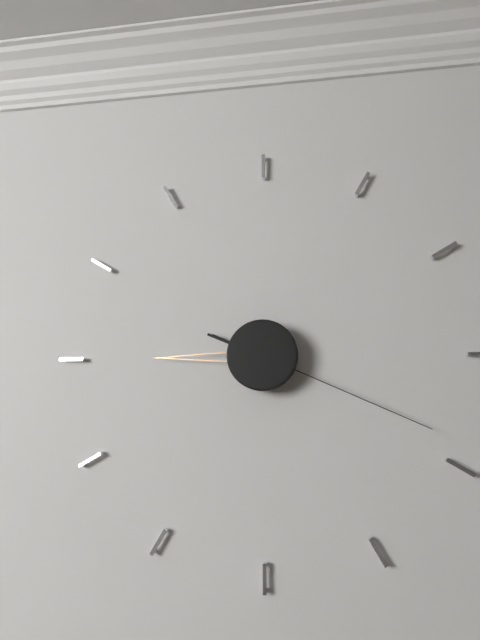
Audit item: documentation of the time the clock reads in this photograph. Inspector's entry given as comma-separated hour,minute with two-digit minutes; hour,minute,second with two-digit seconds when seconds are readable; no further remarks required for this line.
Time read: 9,45,19
